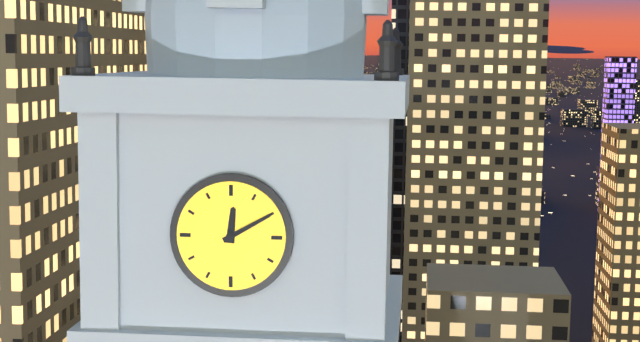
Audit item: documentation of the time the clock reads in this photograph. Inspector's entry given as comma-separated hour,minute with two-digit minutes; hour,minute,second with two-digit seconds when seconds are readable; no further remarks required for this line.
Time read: 12,10
